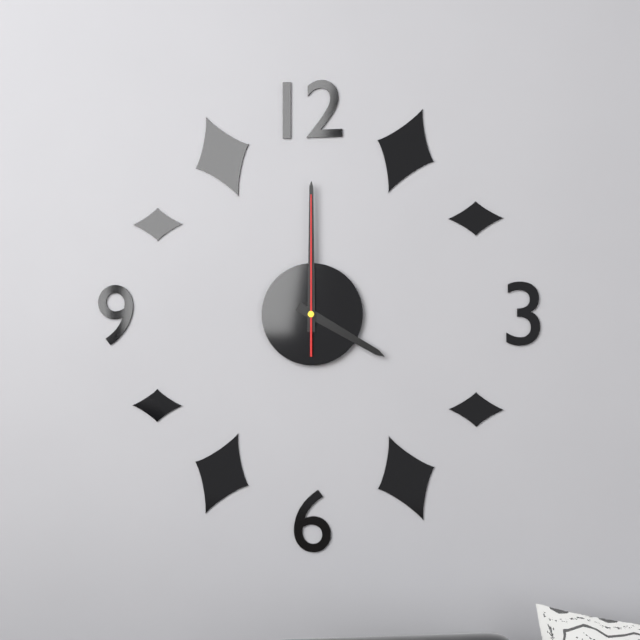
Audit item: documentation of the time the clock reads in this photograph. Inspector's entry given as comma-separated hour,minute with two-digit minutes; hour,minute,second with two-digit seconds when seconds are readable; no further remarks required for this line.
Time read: 4,00,00
